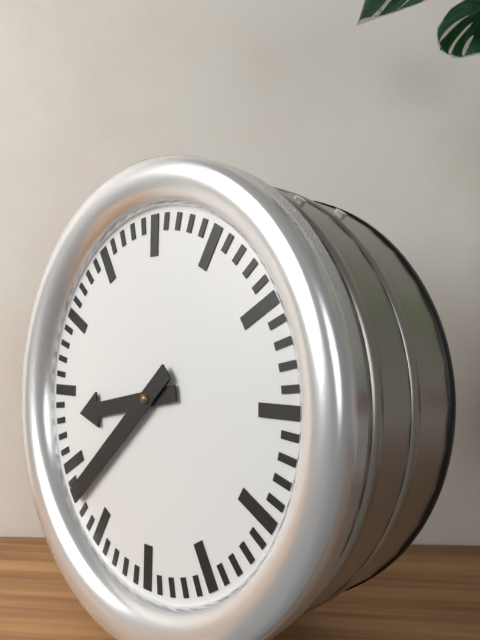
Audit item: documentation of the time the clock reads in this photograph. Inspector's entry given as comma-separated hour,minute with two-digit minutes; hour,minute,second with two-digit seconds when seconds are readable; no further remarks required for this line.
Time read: 8,38
